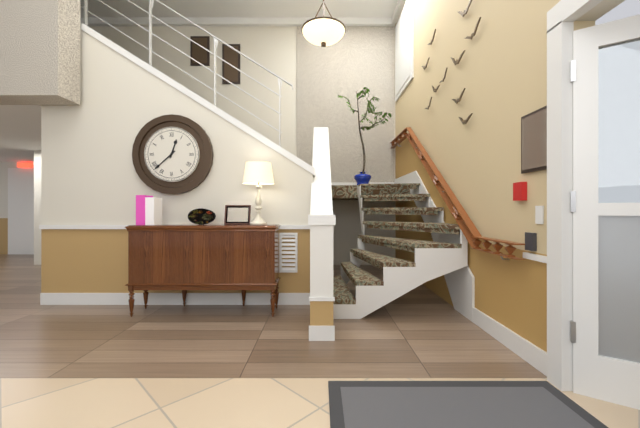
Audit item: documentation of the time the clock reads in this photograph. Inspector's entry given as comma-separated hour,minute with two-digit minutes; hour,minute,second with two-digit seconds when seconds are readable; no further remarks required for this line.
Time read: 12,38
